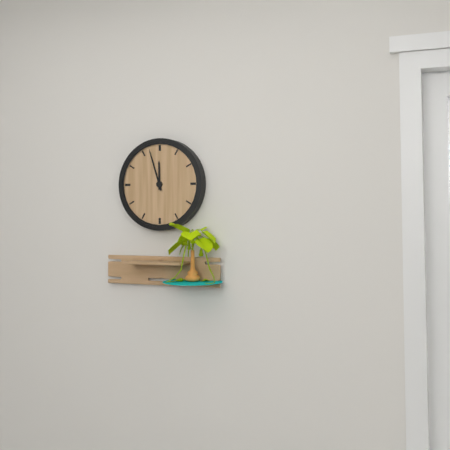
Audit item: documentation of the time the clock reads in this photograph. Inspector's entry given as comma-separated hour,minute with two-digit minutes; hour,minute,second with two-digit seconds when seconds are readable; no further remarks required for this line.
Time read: 11,57
